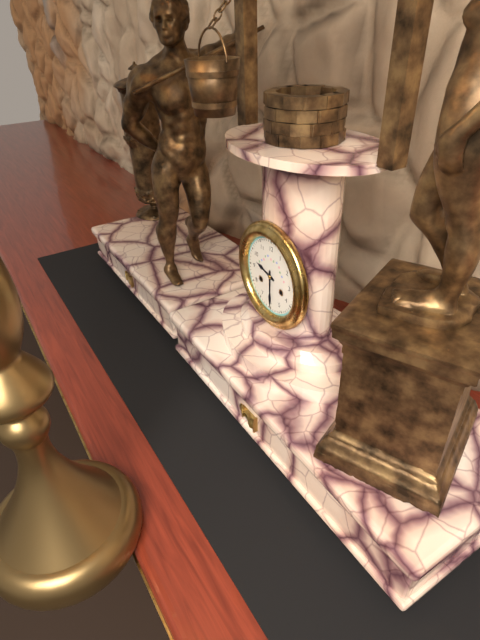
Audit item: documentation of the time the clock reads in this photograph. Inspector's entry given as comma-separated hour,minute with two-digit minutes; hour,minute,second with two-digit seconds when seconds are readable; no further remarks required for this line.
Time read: 9,30
